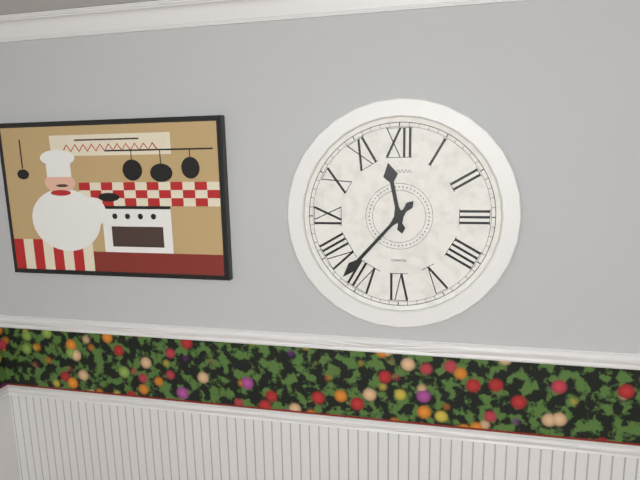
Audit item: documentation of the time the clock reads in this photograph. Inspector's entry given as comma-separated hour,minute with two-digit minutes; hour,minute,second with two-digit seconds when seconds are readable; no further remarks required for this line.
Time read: 11,37
